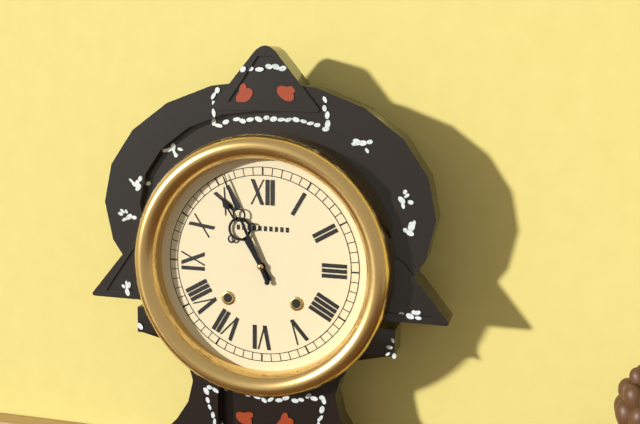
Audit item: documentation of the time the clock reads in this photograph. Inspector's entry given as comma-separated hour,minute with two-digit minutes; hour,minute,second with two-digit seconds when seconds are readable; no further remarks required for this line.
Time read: 10,56
